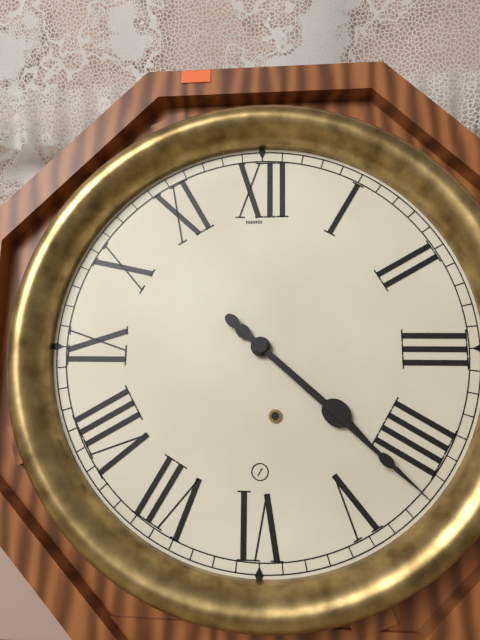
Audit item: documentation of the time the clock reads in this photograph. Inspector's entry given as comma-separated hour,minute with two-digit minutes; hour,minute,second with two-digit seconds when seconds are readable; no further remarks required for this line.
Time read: 4,22
